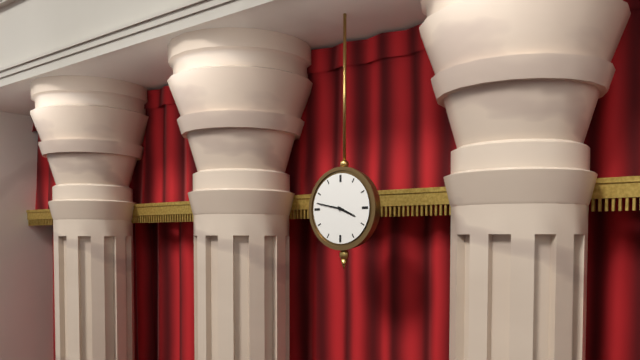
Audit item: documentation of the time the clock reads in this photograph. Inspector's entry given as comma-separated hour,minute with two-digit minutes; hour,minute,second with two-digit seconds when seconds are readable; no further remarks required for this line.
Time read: 3,47
